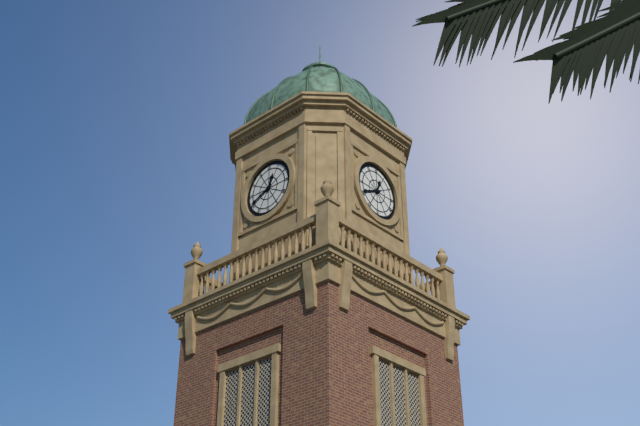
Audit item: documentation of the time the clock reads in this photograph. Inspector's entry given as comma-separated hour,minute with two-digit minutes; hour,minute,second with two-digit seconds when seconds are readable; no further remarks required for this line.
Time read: 12,41
